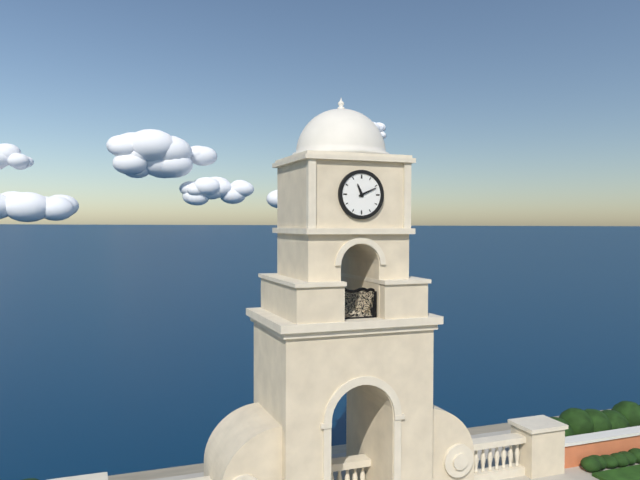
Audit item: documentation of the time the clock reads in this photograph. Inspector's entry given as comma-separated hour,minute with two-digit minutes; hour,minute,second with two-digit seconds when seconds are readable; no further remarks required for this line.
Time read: 11,11
